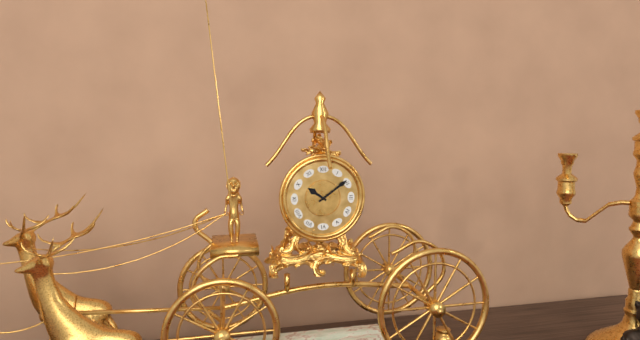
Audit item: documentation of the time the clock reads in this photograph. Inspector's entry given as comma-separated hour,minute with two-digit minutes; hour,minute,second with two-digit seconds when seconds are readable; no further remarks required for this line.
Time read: 10,09
